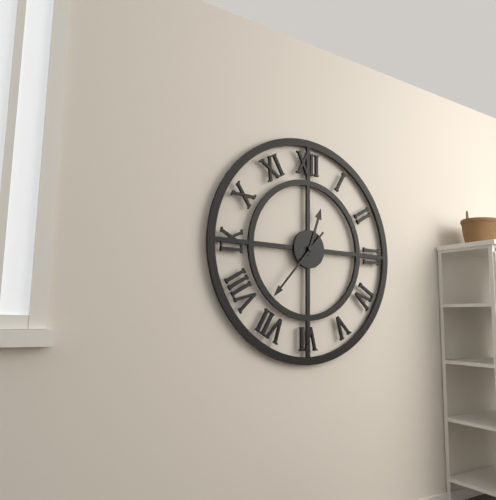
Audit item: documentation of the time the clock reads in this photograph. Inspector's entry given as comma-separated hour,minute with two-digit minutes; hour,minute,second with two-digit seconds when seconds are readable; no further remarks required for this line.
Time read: 12,37
